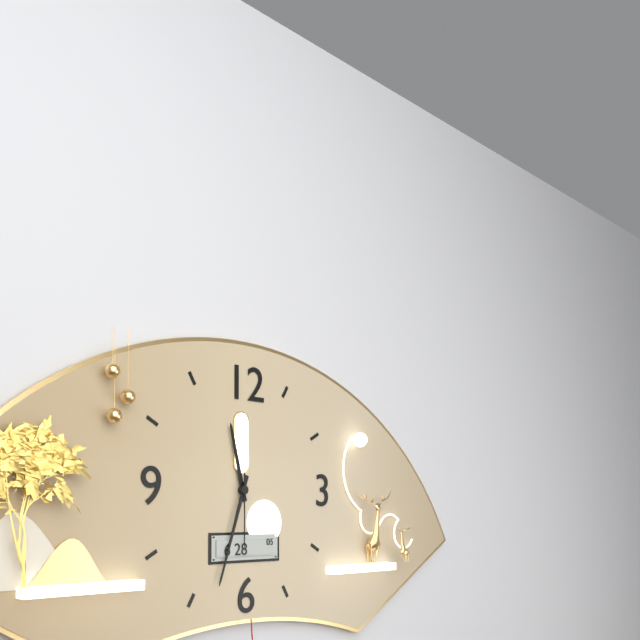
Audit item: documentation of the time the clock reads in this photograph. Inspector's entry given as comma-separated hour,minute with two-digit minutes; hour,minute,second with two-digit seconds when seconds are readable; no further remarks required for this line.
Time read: 11,33,30
